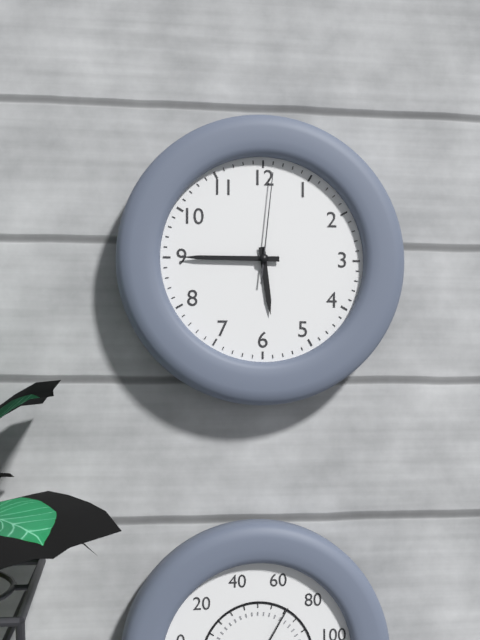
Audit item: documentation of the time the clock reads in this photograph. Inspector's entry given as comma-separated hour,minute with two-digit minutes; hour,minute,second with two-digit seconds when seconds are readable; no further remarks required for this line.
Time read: 5,45,01
